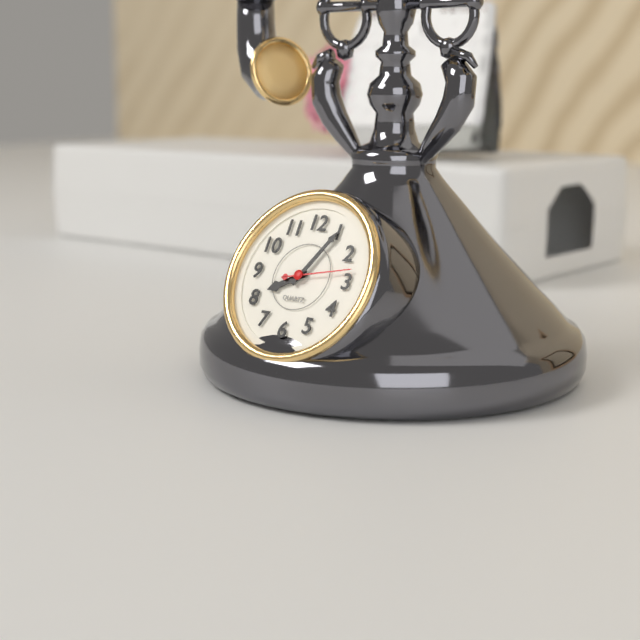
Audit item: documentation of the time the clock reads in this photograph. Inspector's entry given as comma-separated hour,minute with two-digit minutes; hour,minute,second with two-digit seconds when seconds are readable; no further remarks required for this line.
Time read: 8,05,13
